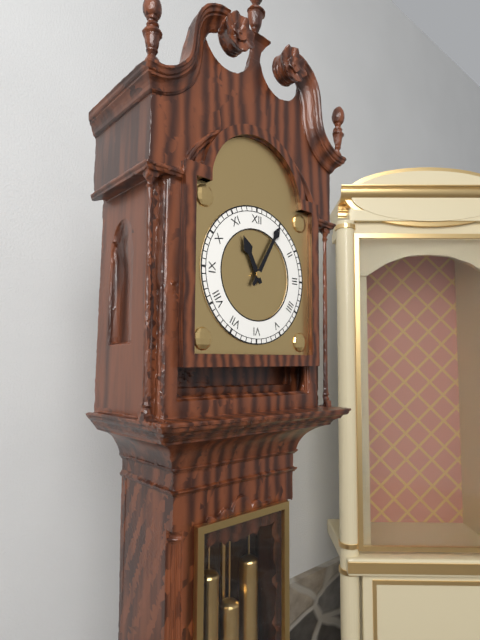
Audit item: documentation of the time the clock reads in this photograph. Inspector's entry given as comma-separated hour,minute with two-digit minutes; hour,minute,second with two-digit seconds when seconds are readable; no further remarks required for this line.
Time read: 11,05
